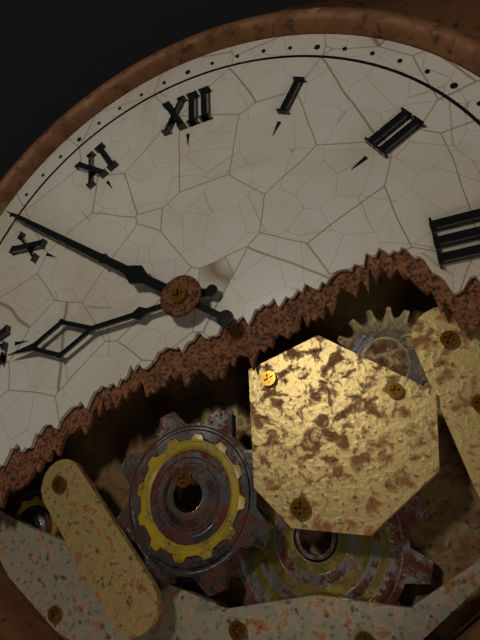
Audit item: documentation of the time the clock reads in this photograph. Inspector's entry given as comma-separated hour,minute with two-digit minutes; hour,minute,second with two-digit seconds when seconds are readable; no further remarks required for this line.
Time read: 8,51
